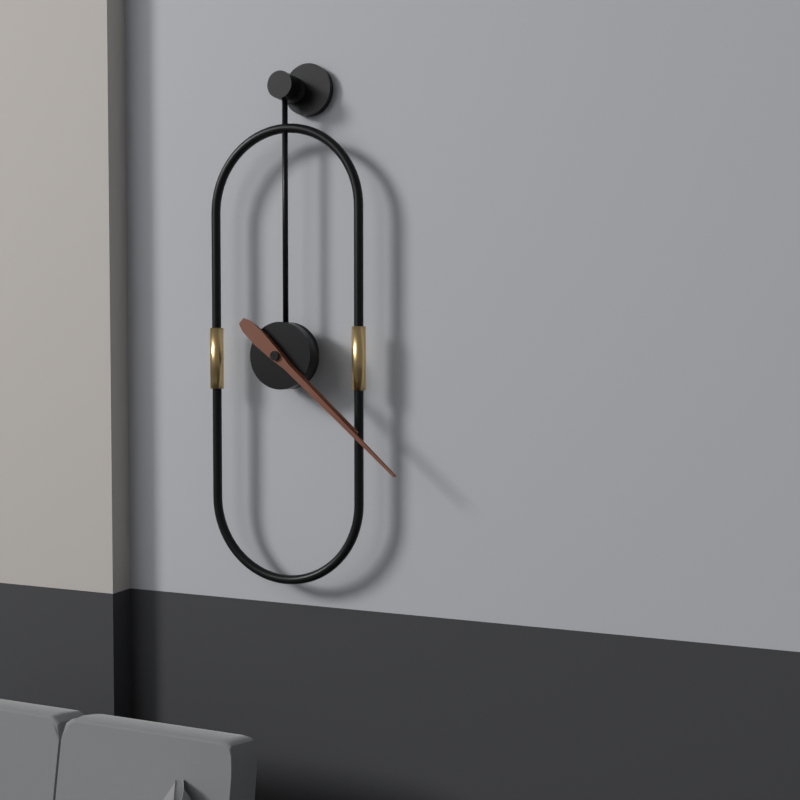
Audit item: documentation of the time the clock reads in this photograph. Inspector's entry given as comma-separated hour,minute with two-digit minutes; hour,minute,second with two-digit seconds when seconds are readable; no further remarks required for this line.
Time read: 4,22
